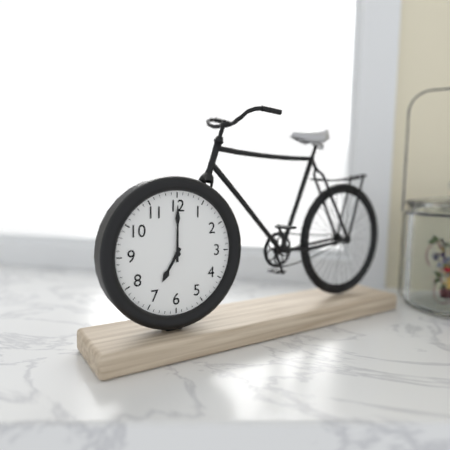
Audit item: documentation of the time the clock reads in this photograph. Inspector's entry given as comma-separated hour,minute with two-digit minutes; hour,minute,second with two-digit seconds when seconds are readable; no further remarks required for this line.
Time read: 7,00
